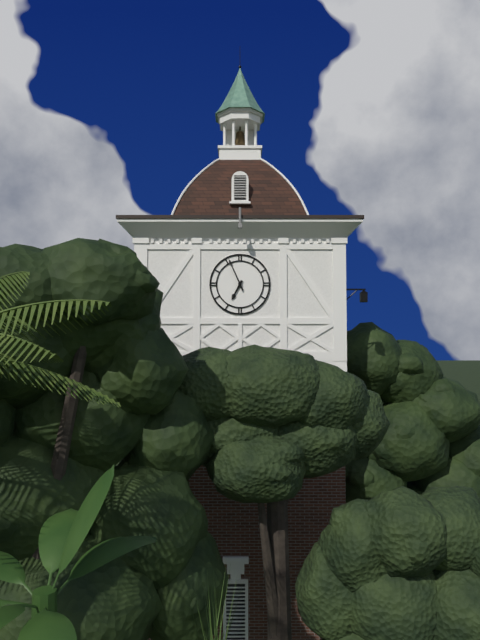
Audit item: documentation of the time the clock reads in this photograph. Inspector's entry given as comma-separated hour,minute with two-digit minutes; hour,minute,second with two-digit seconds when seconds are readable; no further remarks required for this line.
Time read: 6,56
